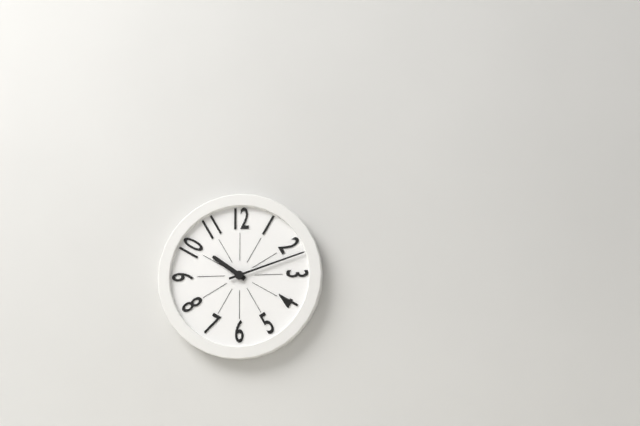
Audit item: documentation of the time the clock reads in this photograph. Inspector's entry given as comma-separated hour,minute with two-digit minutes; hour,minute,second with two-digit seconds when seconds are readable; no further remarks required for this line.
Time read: 10,12
